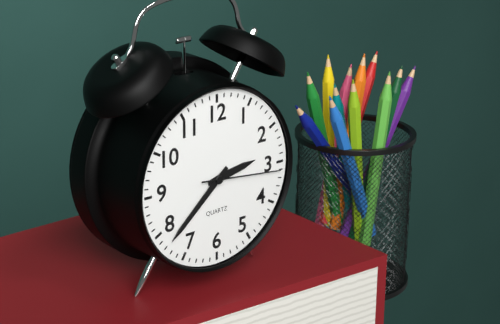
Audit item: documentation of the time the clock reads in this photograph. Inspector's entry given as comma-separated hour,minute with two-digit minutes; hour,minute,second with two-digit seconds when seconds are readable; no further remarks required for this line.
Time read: 2,38,16
